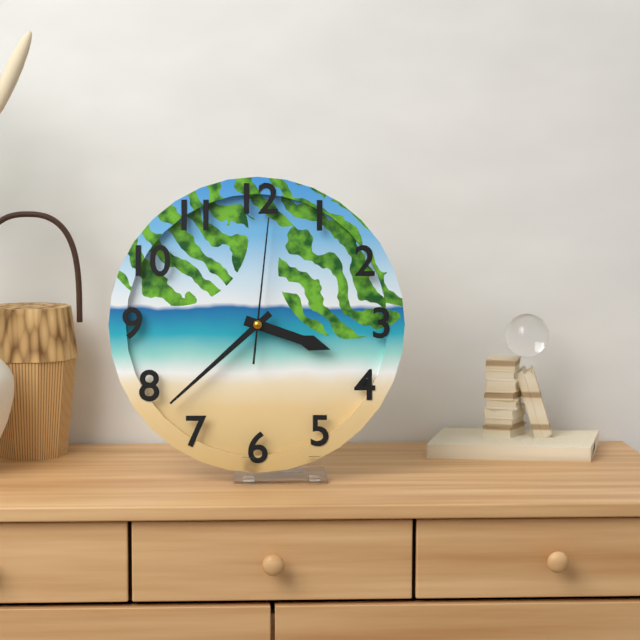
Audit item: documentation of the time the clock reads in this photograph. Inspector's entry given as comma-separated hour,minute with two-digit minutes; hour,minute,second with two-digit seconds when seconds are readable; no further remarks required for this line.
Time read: 3,38,01
